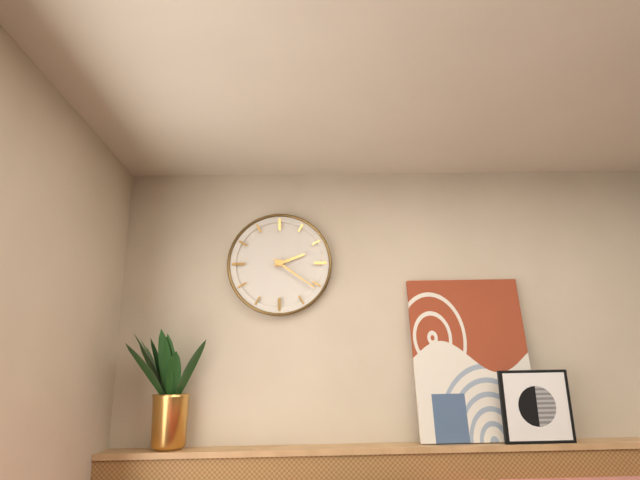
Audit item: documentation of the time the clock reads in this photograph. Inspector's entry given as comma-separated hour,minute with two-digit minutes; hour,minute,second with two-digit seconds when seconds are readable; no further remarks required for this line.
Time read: 2,21
